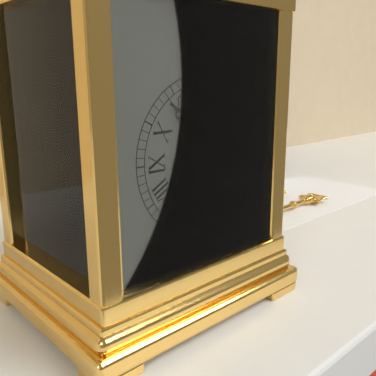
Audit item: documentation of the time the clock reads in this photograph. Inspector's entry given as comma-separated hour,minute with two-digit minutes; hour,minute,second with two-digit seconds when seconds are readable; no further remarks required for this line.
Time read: 5,54
